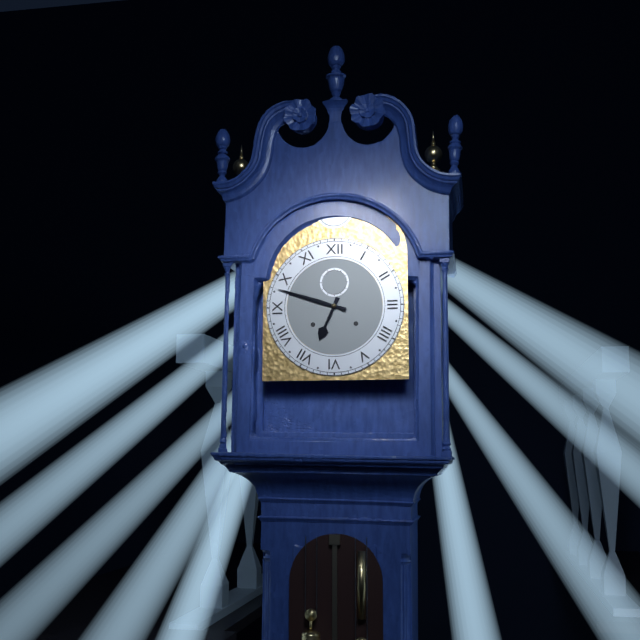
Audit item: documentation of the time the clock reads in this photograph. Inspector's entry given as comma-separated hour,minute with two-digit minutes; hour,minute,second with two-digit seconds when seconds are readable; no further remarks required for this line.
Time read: 6,48
